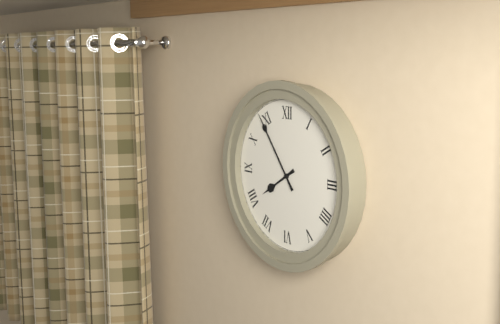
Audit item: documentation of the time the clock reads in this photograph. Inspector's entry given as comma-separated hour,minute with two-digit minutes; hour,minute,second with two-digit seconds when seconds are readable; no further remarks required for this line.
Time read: 7,54
